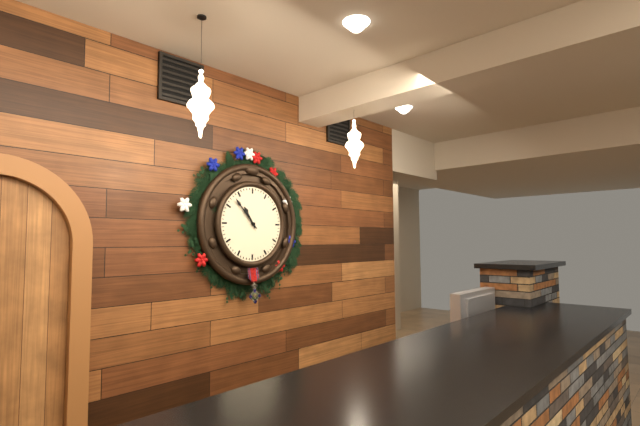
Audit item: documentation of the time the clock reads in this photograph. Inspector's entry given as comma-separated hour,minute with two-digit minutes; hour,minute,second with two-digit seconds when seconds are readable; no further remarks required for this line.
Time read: 10,53
